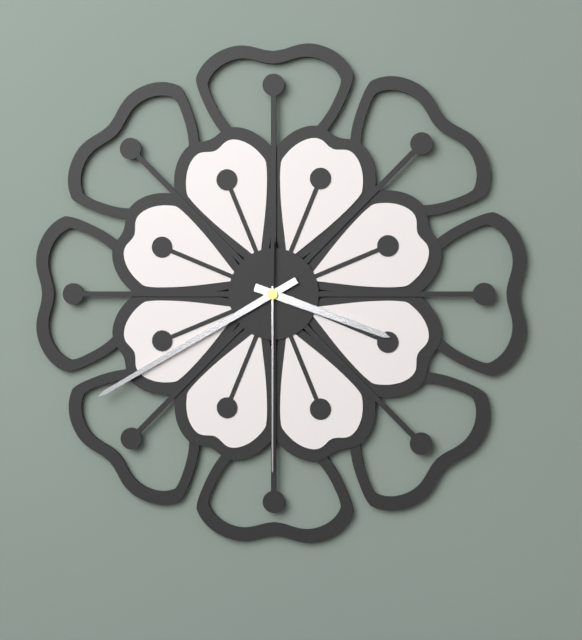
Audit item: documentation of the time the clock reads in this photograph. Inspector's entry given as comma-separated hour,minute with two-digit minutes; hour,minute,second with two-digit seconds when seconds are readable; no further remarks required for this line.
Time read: 3,40,30
